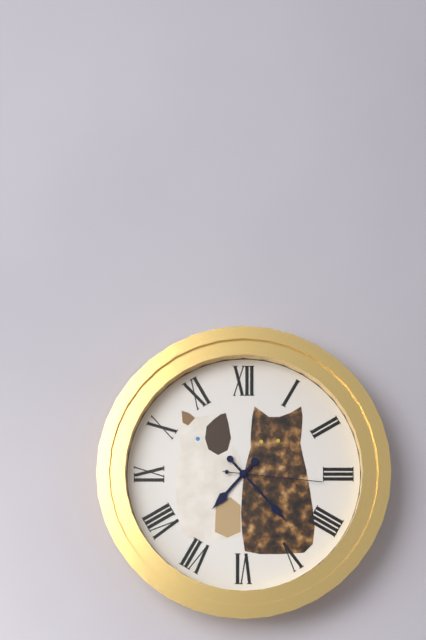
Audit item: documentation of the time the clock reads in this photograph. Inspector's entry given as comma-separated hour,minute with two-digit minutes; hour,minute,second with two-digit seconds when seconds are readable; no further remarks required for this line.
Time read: 7,23,16
